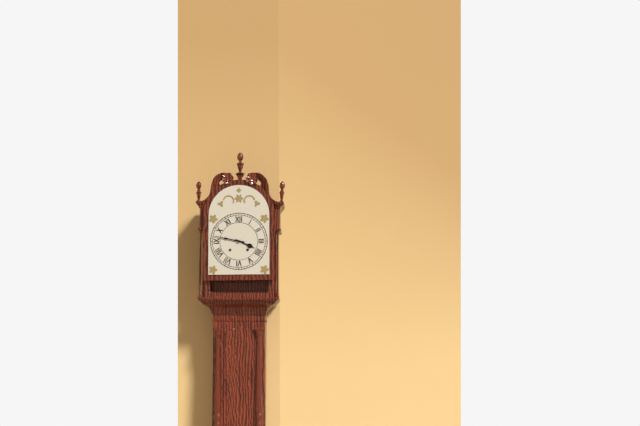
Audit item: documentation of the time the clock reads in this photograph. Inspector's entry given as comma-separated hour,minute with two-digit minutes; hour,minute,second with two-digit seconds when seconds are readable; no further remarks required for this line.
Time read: 3,47
